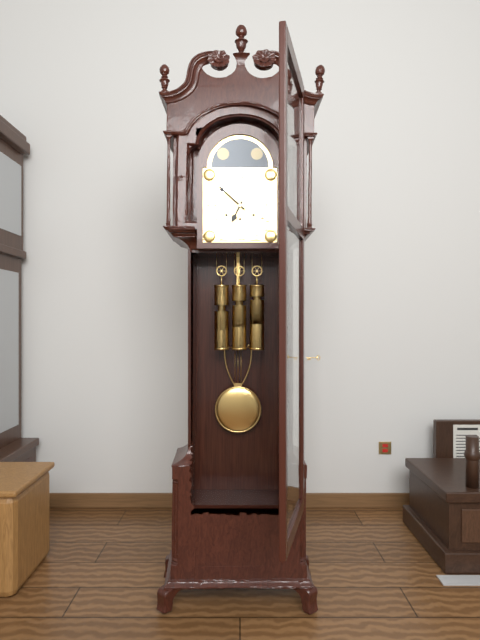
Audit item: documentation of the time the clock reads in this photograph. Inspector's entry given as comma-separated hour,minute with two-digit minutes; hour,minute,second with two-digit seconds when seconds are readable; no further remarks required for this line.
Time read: 6,52
